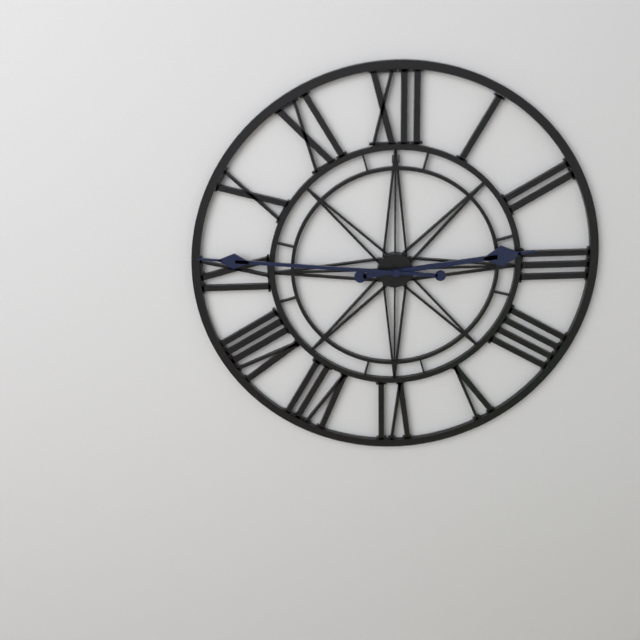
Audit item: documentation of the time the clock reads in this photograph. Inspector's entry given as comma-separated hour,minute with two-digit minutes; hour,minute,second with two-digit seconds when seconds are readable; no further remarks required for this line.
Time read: 2,46
